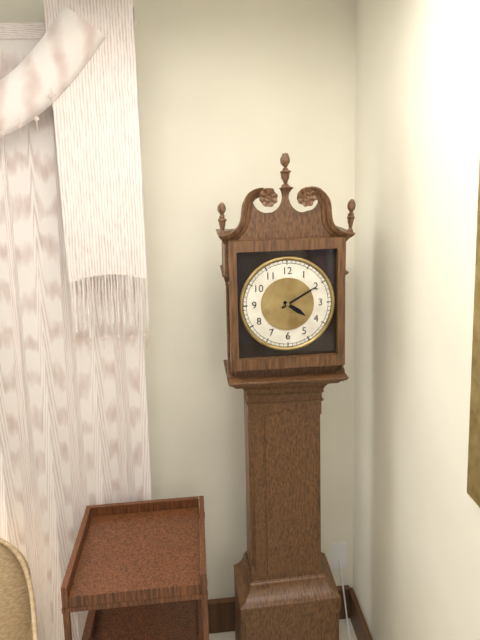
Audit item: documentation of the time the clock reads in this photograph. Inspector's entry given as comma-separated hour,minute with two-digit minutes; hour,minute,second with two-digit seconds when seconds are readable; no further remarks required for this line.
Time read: 4,10
